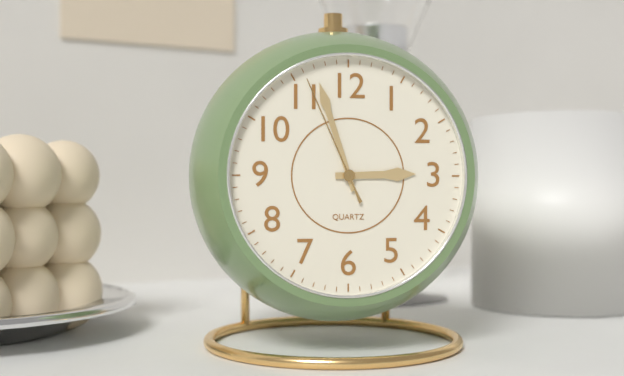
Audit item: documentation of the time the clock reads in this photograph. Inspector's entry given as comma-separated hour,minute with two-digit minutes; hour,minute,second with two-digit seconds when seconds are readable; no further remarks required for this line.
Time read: 2,57,56
